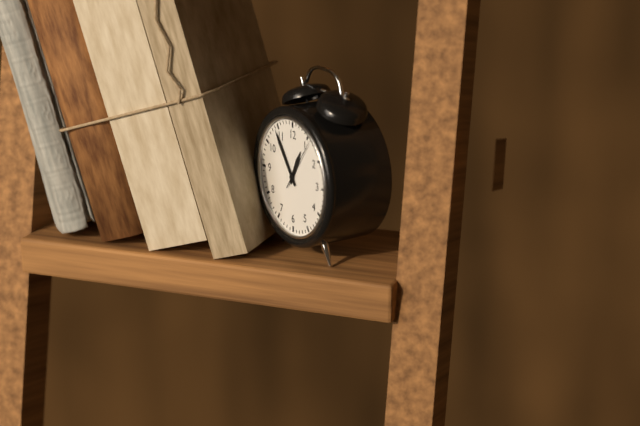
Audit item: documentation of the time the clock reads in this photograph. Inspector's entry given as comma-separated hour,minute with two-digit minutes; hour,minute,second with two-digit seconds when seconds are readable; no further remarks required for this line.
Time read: 12,54
